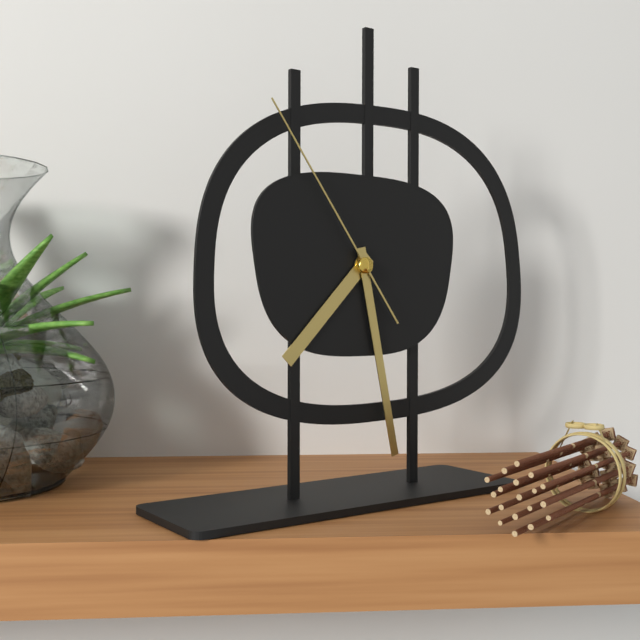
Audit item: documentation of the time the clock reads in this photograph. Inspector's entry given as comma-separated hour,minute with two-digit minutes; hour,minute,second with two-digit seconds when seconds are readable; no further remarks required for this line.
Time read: 7,28,54
